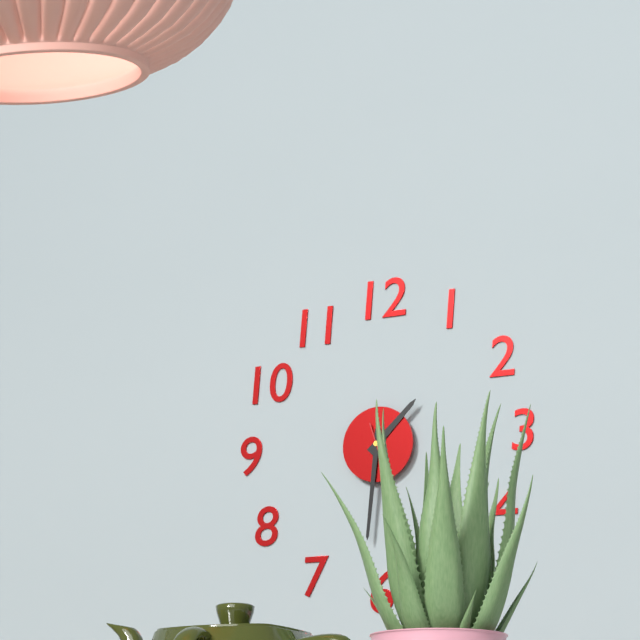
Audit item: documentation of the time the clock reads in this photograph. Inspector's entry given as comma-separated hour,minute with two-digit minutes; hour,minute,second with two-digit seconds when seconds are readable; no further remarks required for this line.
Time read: 1,31
